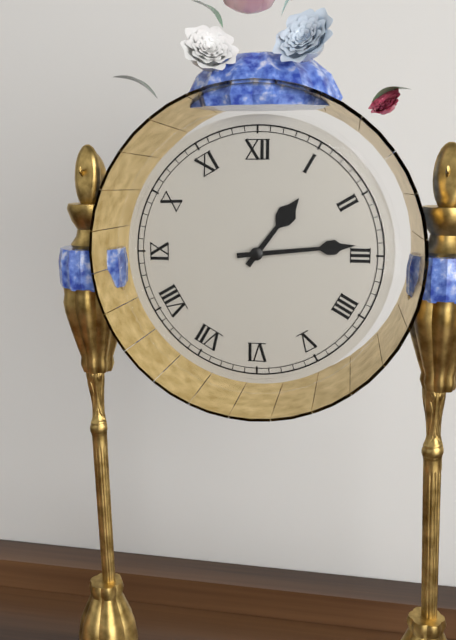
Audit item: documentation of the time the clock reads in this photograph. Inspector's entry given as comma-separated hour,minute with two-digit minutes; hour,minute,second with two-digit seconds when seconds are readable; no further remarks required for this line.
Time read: 1,14
